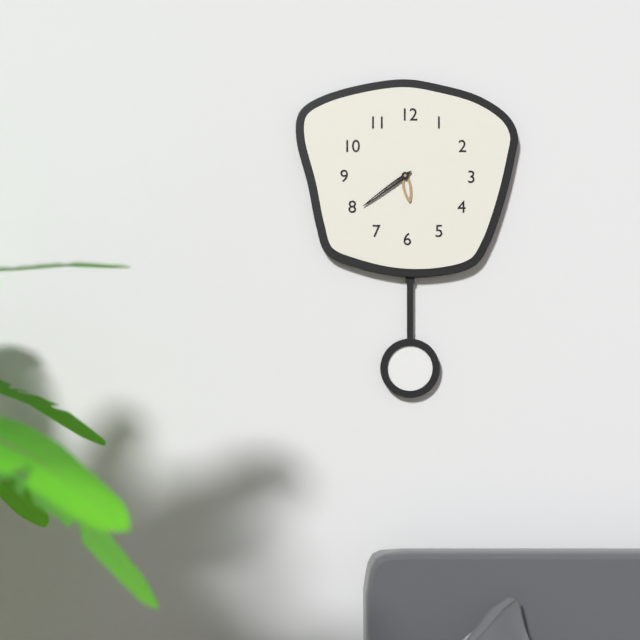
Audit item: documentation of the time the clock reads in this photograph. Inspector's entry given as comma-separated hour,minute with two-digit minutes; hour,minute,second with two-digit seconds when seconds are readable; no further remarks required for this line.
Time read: 5,39
